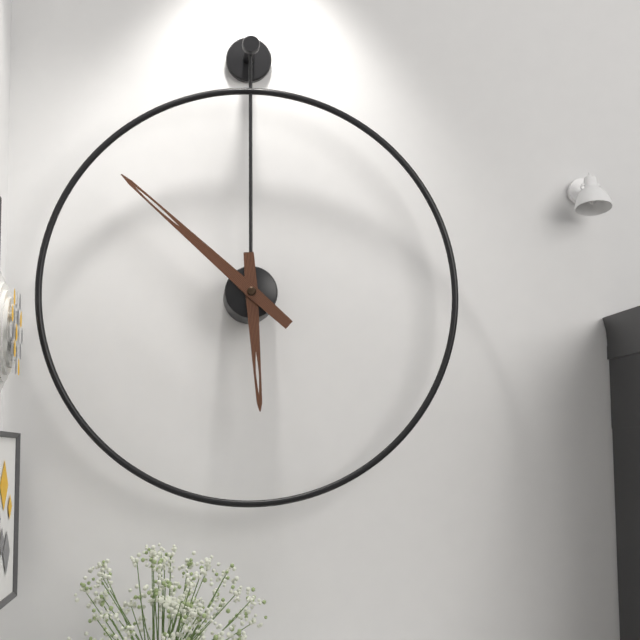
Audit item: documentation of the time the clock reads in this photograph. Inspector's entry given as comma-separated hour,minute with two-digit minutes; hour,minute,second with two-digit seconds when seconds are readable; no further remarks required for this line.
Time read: 5,52
